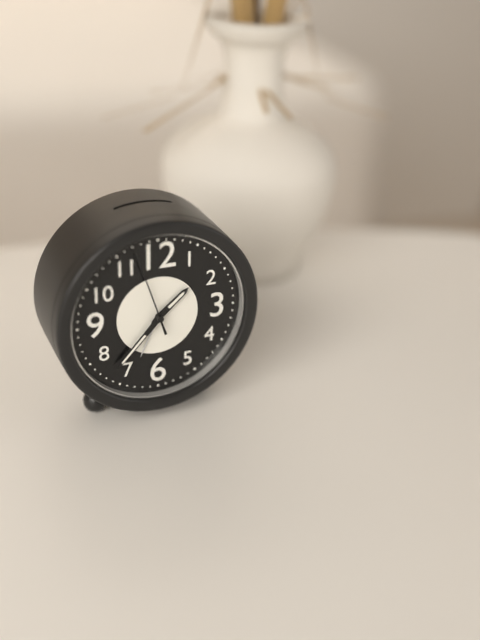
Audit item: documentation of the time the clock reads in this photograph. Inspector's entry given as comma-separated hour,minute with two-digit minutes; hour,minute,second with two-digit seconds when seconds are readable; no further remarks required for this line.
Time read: 1,37,57
